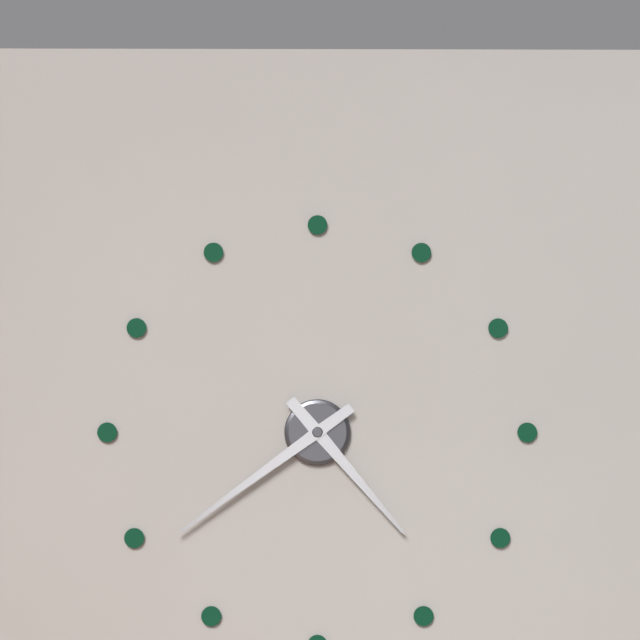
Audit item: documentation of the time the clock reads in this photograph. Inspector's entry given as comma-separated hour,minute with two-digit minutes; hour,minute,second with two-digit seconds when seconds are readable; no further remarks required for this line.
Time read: 4,39
